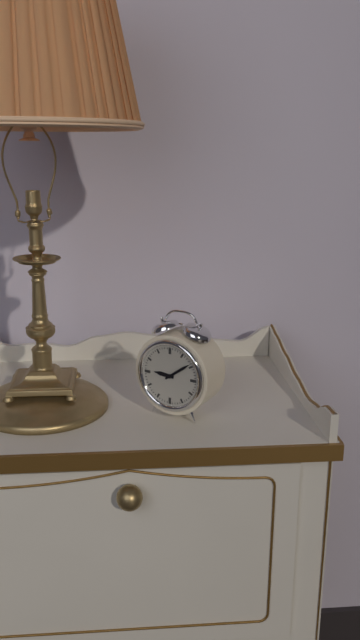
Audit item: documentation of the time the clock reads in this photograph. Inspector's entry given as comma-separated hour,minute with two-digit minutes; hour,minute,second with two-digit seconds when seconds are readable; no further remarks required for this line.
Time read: 9,09
